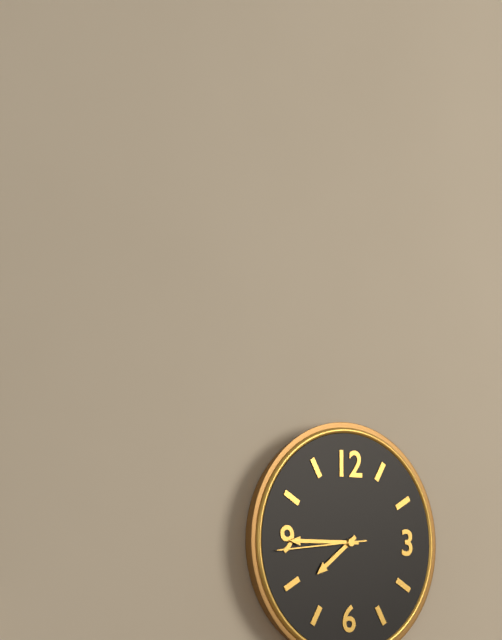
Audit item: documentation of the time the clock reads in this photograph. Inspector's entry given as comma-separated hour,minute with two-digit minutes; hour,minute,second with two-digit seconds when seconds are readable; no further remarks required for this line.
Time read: 7,45,44
